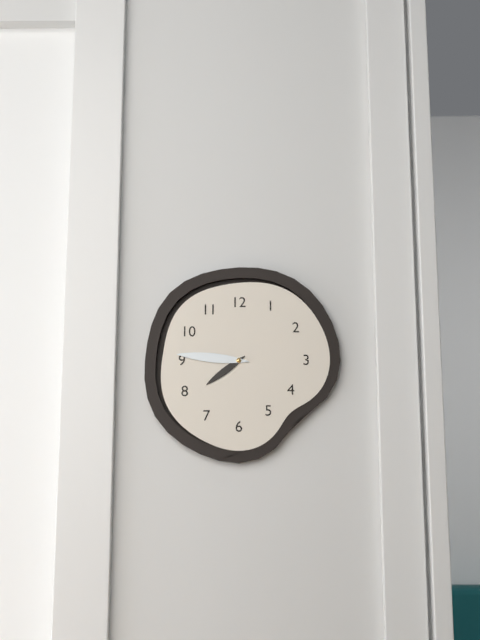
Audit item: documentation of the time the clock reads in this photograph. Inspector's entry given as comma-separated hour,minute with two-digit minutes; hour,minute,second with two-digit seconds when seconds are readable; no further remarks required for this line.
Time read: 7,46
